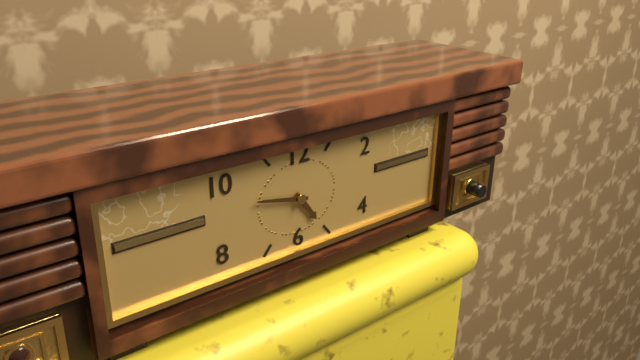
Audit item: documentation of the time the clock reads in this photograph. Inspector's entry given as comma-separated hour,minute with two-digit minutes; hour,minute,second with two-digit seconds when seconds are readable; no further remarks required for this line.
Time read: 4,47
